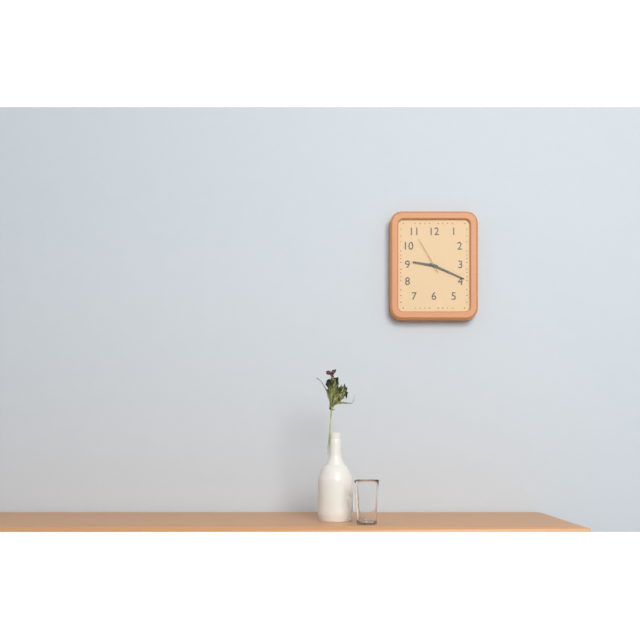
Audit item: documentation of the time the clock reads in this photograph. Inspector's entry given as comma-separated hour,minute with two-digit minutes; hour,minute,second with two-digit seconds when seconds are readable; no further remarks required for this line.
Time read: 9,19
